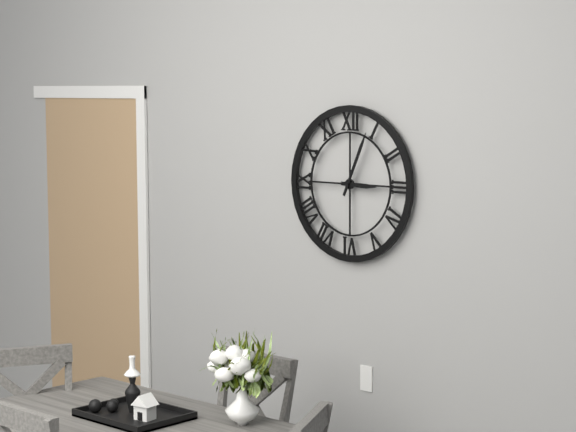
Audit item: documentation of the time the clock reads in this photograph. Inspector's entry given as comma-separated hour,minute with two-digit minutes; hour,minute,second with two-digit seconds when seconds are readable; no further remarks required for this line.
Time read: 3,04
